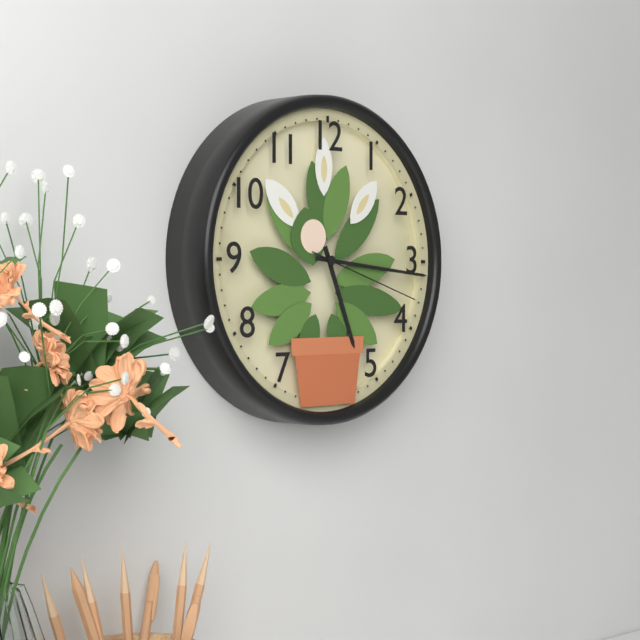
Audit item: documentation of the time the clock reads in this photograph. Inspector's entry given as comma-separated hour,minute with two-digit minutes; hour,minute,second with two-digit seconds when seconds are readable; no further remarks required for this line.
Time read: 5,16,18
